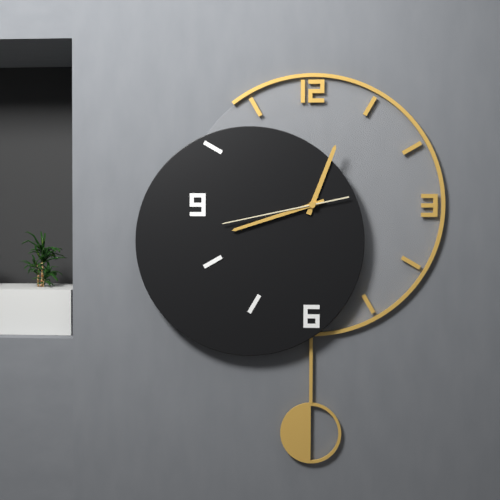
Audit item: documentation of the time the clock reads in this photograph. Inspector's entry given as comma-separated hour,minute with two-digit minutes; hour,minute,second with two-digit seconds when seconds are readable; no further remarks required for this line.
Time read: 12,42,43
